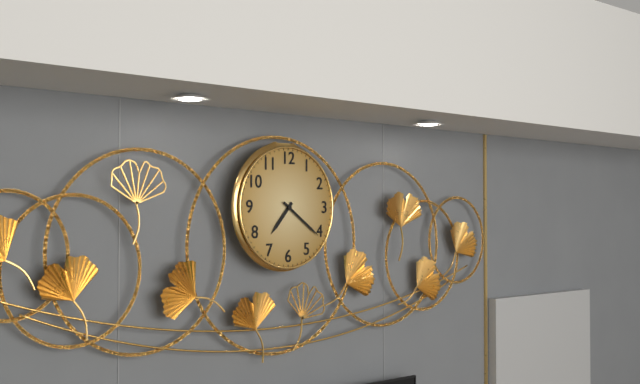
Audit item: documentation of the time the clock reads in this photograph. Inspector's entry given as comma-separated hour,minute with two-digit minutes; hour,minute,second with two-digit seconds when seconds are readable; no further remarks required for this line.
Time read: 7,21
